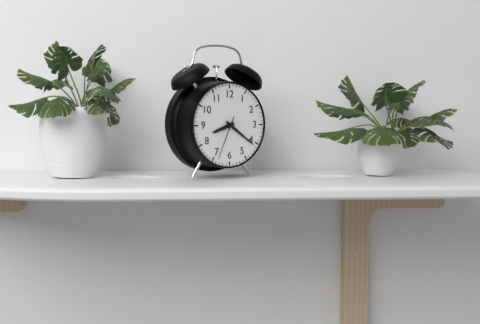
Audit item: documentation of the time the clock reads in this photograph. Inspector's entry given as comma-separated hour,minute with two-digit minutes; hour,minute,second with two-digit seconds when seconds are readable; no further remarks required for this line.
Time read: 8,21
